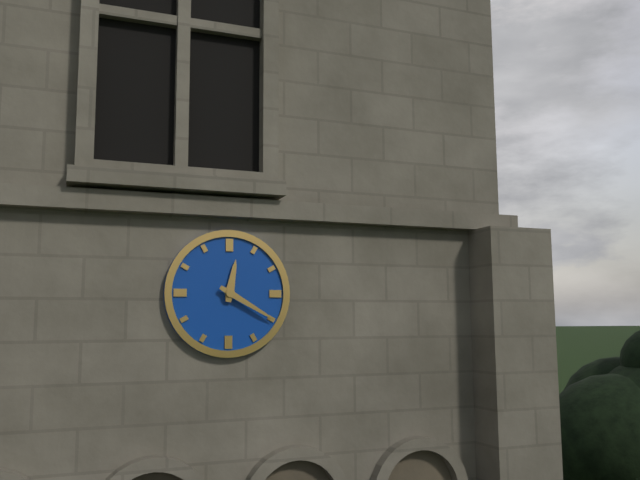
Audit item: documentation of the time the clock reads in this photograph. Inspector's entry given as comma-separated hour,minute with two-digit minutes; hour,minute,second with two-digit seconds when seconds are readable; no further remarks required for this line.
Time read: 12,20
